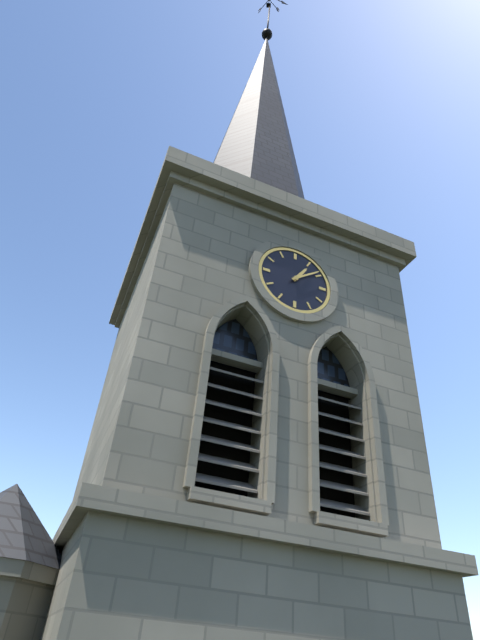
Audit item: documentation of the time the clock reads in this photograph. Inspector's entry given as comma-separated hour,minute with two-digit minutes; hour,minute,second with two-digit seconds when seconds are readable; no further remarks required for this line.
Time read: 1,09
